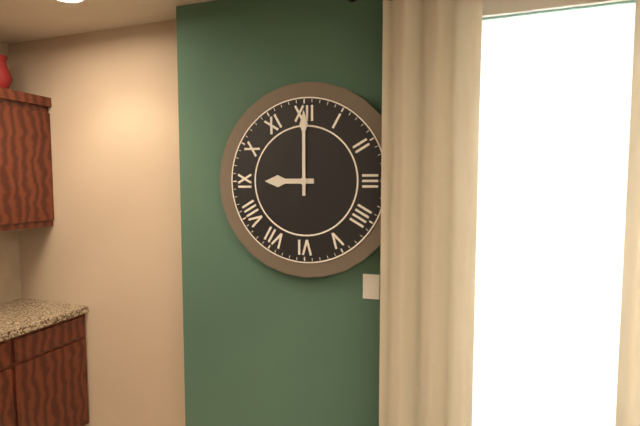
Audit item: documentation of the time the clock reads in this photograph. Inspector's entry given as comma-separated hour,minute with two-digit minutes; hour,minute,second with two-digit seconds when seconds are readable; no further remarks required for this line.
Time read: 9,00
